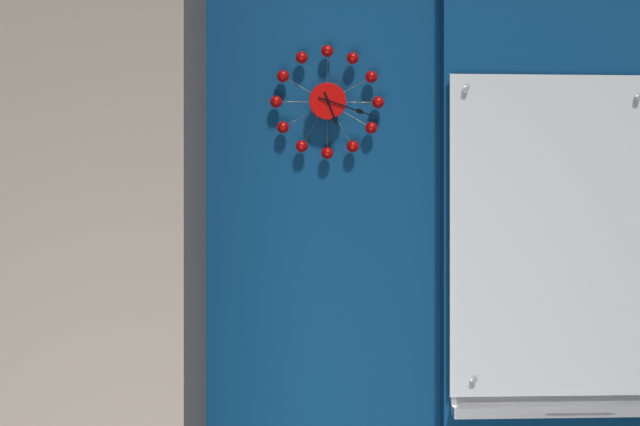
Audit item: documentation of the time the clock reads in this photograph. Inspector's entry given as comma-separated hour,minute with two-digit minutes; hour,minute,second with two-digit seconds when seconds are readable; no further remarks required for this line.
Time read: 5,18
